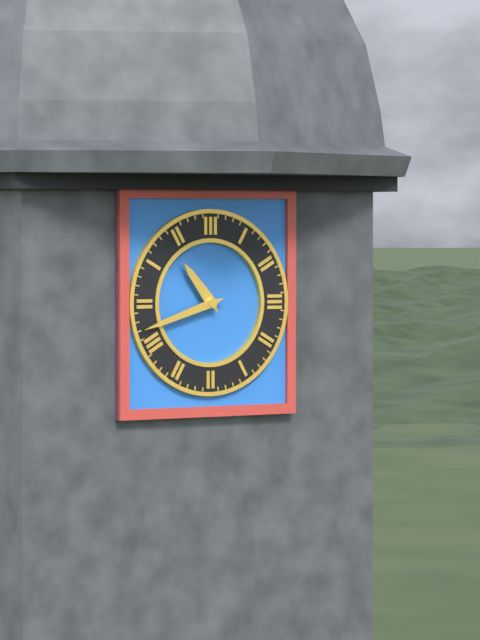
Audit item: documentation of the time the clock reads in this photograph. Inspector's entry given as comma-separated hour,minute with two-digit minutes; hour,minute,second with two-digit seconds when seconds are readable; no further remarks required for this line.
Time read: 10,42
